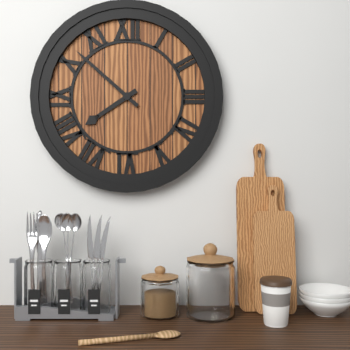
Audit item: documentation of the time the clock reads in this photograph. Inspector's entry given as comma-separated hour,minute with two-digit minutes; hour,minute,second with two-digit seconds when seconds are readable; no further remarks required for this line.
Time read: 7,52
